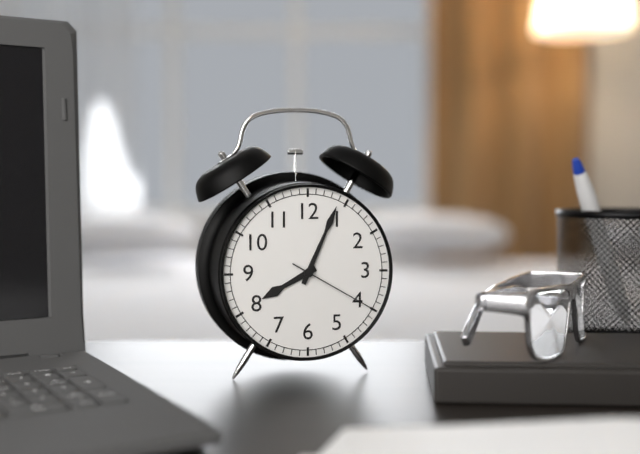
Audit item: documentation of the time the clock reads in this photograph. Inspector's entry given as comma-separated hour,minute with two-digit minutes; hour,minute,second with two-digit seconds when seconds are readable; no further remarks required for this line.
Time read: 8,04,20
